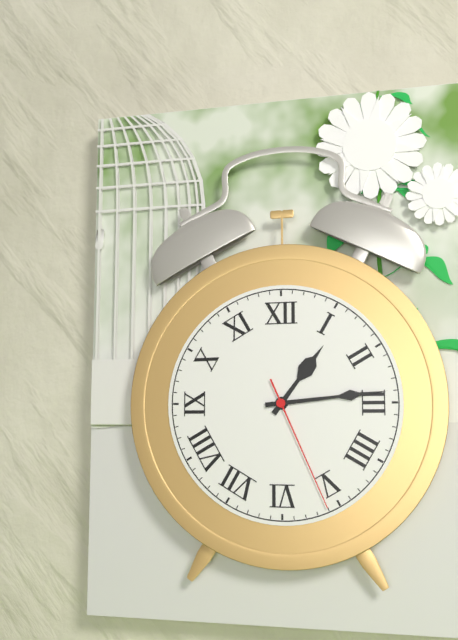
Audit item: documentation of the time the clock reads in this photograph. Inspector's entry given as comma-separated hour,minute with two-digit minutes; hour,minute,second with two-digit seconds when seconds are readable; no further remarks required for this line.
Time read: 1,14,26
